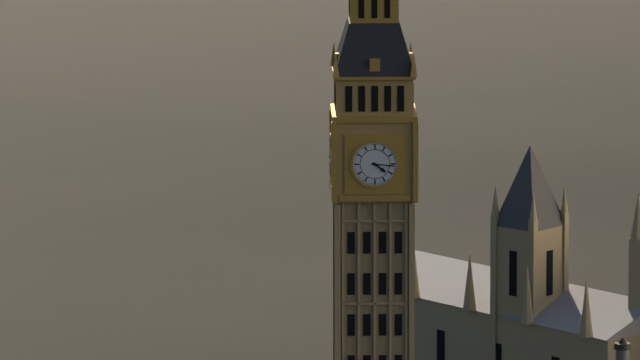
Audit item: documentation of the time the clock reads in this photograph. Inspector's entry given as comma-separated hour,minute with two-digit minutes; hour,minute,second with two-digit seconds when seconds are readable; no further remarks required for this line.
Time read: 4,16
